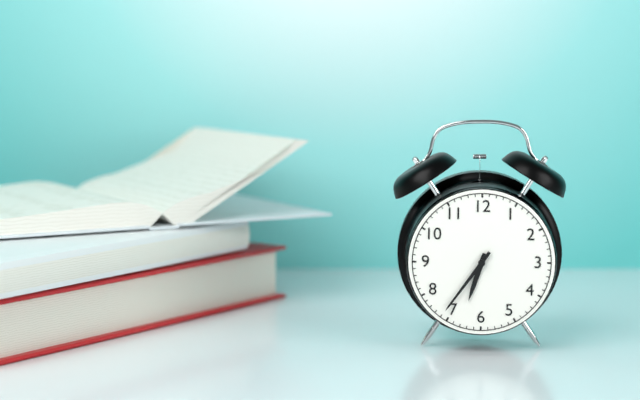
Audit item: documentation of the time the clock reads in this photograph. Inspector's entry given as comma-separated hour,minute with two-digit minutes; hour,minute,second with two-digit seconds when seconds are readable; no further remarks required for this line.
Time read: 6,36
